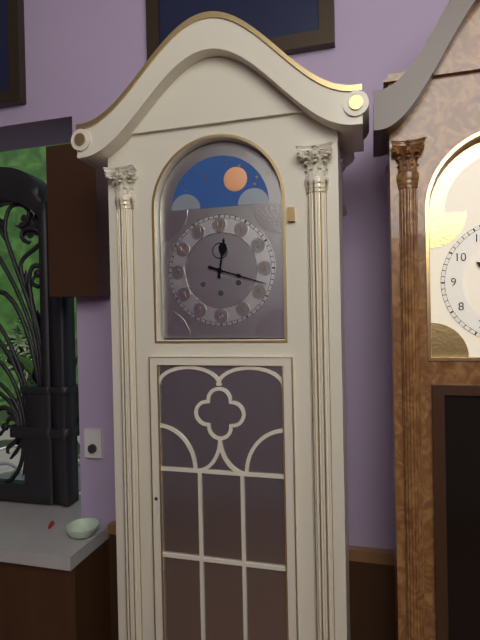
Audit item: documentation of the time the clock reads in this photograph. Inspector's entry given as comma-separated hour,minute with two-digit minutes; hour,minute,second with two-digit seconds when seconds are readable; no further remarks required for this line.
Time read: 12,18
